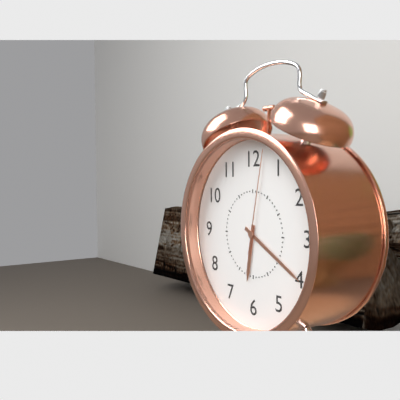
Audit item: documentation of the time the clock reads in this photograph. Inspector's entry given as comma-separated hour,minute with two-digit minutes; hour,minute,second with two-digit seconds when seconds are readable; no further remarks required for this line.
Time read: 6,20,02
